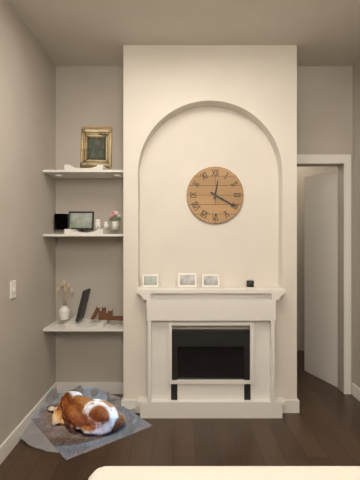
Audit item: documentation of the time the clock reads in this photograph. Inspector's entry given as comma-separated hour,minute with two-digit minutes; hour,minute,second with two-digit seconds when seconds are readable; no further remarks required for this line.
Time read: 12,20
